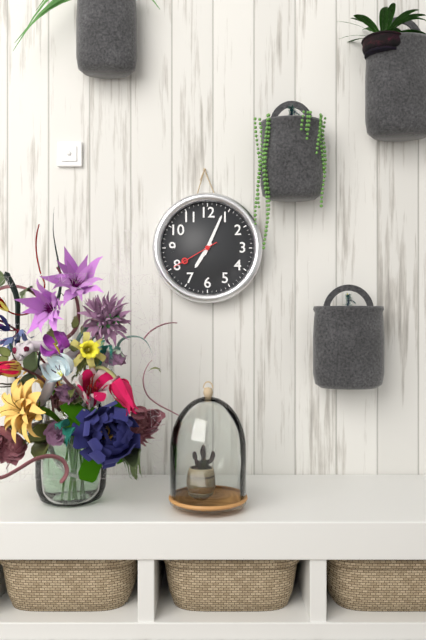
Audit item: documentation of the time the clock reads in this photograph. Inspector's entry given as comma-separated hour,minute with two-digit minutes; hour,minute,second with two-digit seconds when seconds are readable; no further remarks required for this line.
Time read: 7,04
